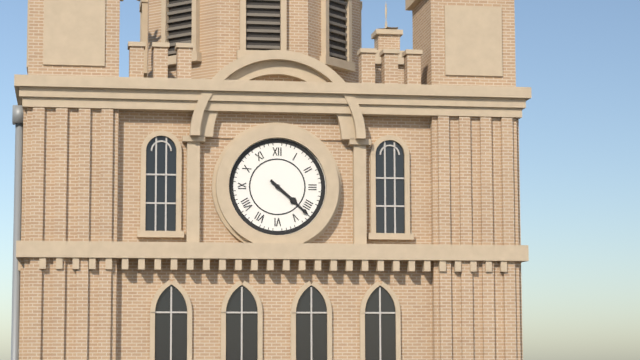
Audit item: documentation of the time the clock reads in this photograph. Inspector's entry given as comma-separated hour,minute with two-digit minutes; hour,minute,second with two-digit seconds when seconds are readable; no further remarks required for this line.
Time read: 4,22
